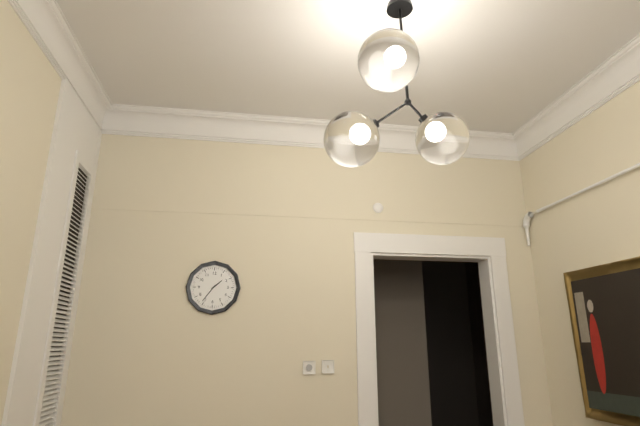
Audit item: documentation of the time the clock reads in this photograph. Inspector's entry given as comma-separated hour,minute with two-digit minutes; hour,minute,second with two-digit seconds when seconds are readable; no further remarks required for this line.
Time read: 1,36
